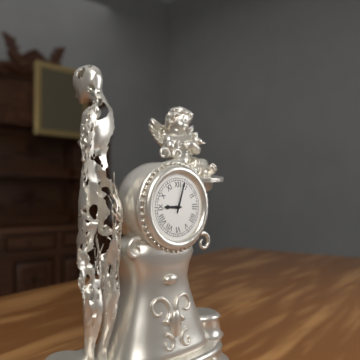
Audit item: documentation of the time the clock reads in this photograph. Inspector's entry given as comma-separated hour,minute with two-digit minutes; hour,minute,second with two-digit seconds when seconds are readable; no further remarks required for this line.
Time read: 9,03
